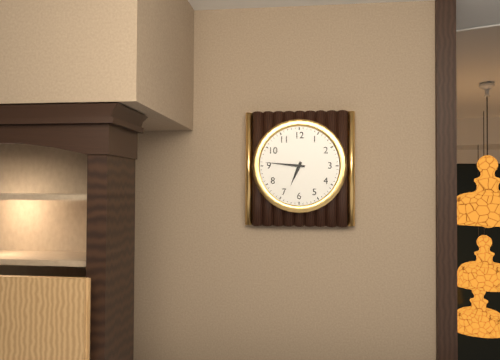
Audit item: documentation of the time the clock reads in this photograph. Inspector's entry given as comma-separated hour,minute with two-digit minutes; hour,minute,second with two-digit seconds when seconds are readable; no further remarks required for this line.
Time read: 6,46
